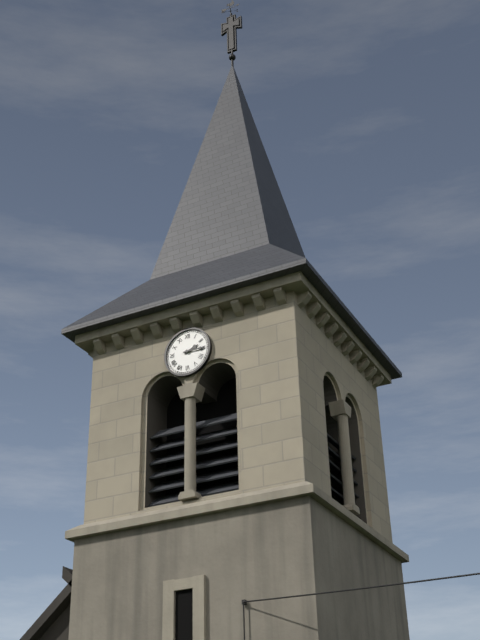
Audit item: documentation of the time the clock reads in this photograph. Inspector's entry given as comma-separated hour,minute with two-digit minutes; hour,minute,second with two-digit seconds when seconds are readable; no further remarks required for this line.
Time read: 2,15
